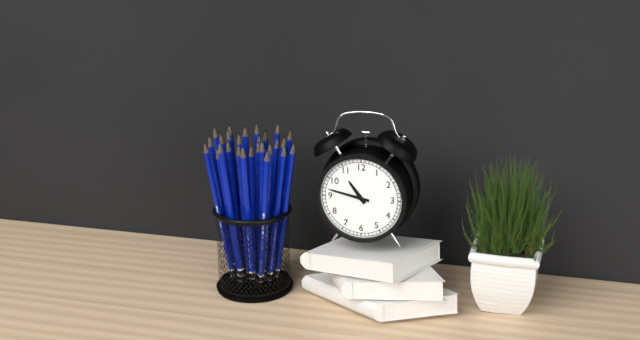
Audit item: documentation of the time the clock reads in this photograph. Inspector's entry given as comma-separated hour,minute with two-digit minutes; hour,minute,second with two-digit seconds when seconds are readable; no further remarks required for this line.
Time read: 10,47
